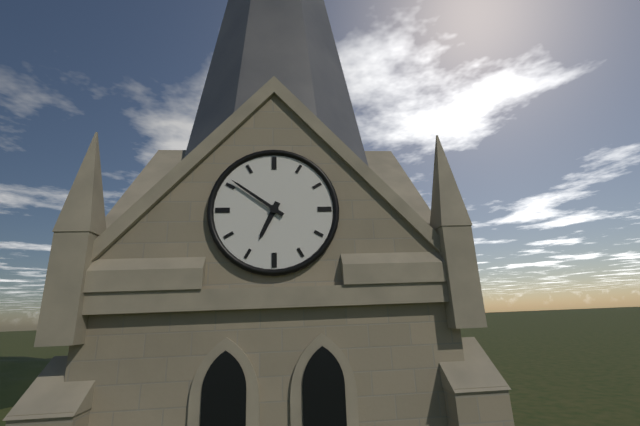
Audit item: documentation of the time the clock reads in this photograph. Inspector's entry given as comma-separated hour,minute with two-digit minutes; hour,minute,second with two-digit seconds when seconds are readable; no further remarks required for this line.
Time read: 6,51
